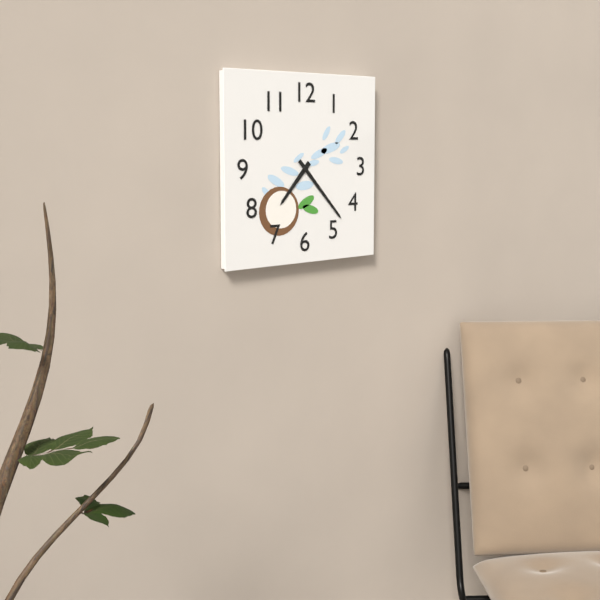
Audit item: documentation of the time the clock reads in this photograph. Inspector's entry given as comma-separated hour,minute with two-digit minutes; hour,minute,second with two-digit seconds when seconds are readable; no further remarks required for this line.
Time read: 7,23
